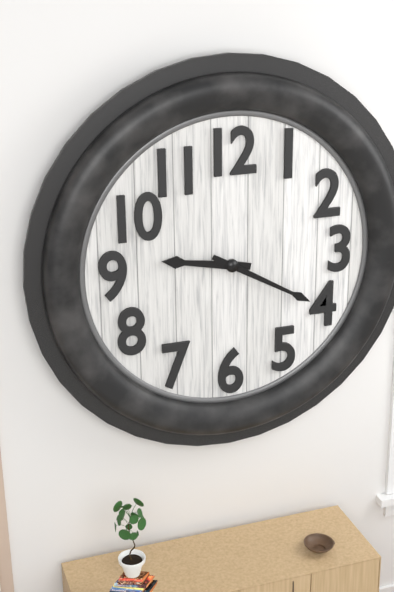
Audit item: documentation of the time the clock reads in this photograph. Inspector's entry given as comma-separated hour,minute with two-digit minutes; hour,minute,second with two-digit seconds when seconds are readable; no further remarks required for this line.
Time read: 9,20
